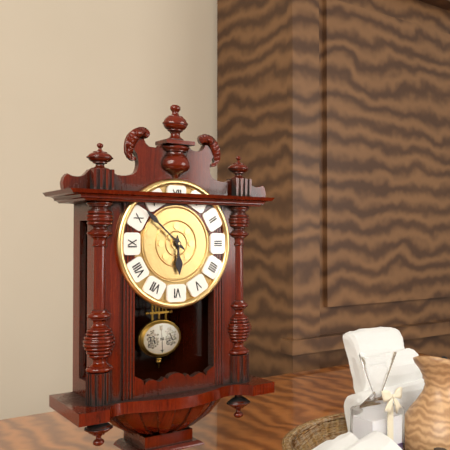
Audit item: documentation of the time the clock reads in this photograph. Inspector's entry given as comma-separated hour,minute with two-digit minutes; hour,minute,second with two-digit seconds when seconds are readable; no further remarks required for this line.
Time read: 5,52
